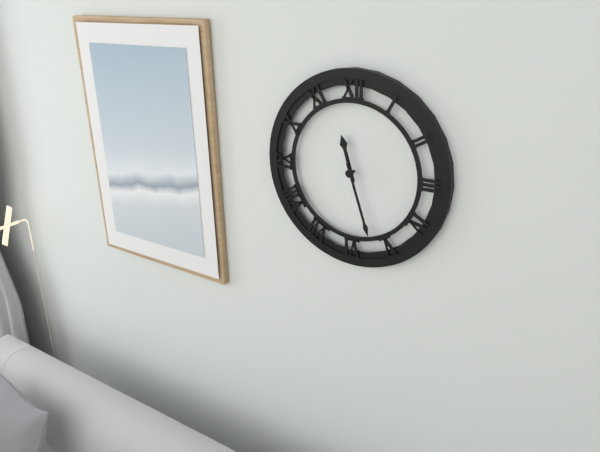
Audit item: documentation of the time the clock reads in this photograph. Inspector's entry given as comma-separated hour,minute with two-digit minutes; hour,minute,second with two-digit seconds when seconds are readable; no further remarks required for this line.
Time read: 11,27
